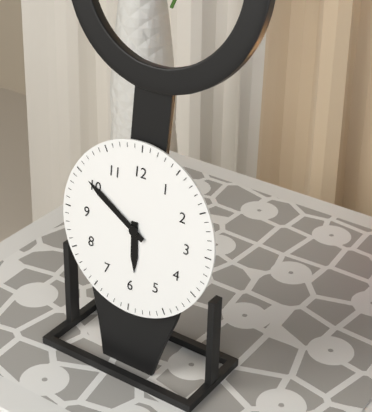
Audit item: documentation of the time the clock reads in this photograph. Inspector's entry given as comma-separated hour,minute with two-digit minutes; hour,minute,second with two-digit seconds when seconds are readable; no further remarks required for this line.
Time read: 5,50
